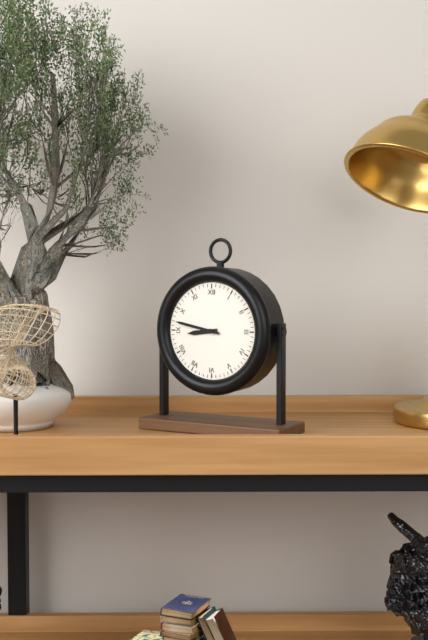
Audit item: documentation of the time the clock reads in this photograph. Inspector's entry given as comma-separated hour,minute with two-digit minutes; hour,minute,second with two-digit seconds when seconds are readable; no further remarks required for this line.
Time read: 8,47
